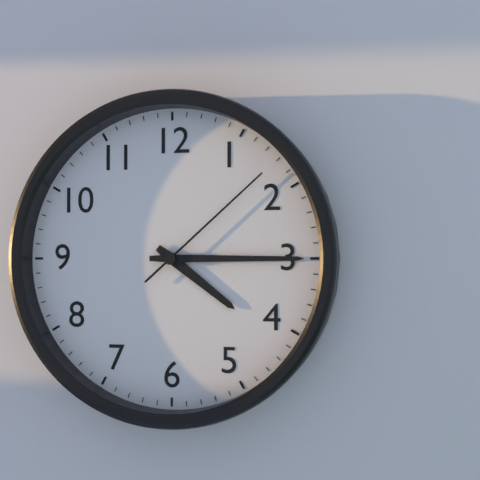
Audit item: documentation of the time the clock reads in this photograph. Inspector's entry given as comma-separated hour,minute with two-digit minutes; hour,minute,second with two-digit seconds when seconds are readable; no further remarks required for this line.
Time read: 4,15,08
